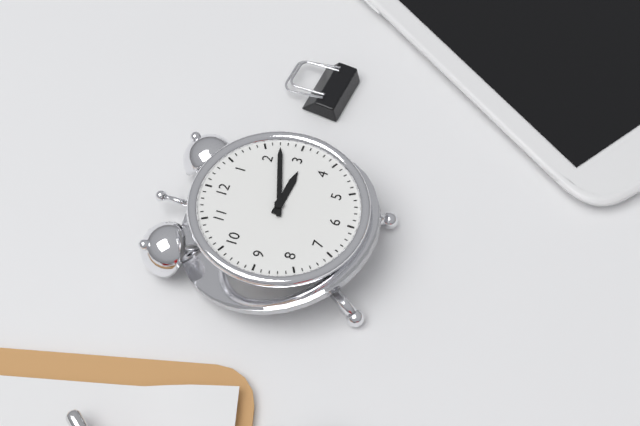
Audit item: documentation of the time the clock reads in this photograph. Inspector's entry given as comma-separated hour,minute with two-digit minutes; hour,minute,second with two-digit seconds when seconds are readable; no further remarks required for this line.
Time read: 3,12
